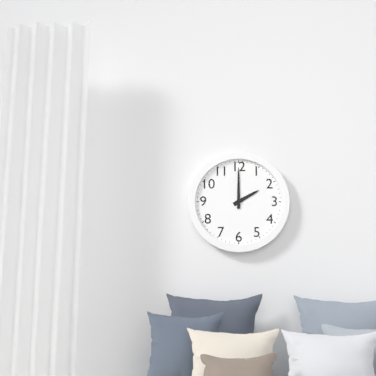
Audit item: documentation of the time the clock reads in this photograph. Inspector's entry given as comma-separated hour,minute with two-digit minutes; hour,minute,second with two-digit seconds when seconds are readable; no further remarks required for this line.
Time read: 2,00
